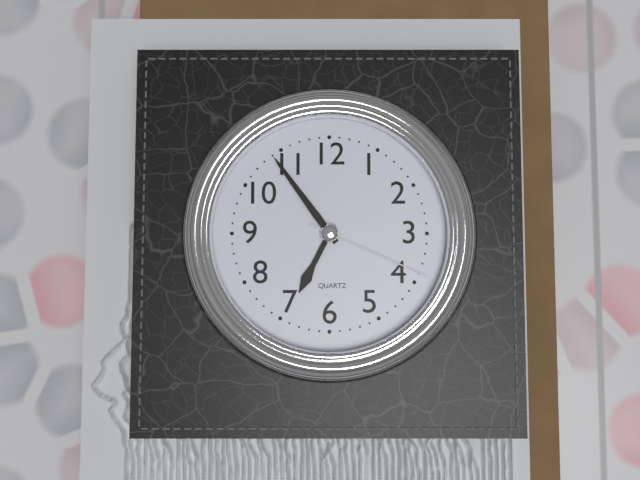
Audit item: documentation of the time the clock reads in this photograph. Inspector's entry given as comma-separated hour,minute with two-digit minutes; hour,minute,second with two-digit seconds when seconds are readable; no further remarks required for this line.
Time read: 6,54,19
